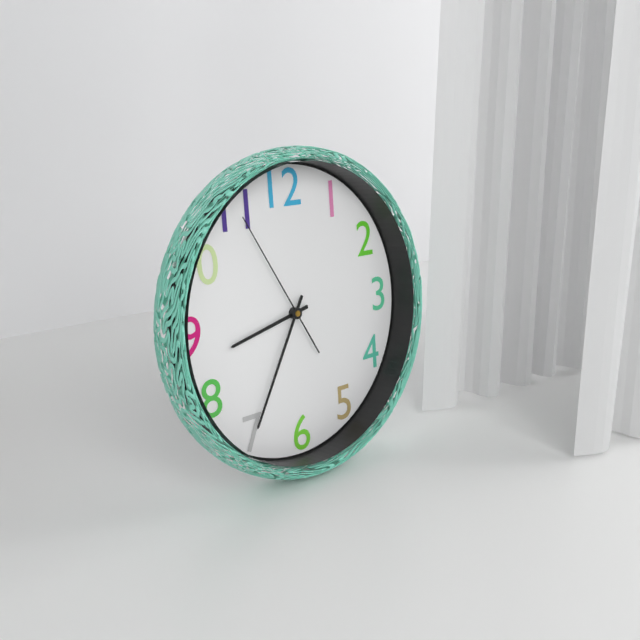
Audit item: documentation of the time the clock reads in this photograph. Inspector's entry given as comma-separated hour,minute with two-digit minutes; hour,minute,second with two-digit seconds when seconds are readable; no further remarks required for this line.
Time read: 8,35,55
